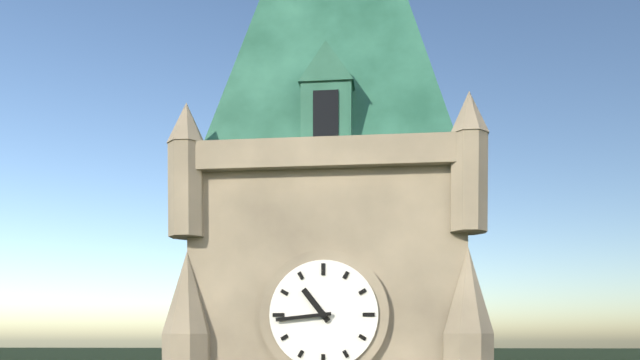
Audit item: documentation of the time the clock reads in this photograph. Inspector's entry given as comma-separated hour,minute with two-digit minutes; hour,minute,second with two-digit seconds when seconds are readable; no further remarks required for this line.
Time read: 10,44
